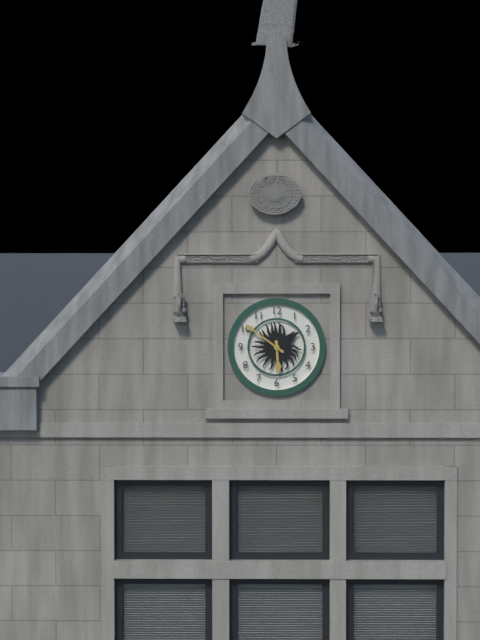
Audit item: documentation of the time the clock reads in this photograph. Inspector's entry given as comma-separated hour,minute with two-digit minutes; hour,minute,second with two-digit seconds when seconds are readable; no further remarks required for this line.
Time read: 5,51
